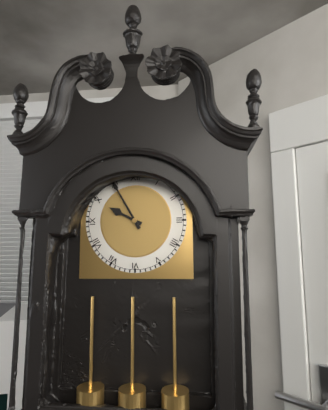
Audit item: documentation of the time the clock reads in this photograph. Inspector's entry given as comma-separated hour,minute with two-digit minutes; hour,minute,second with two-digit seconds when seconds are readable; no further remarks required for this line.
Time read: 9,55
